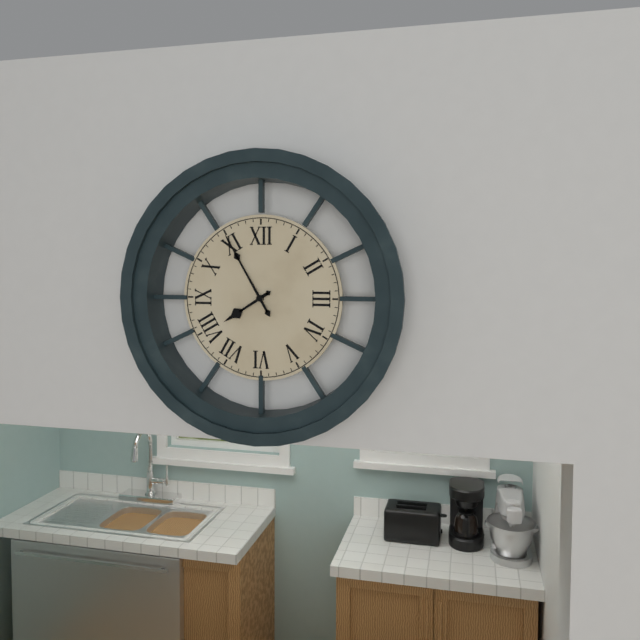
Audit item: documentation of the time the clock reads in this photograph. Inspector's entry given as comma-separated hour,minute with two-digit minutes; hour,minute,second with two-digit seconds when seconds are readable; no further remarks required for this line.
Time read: 7,55
